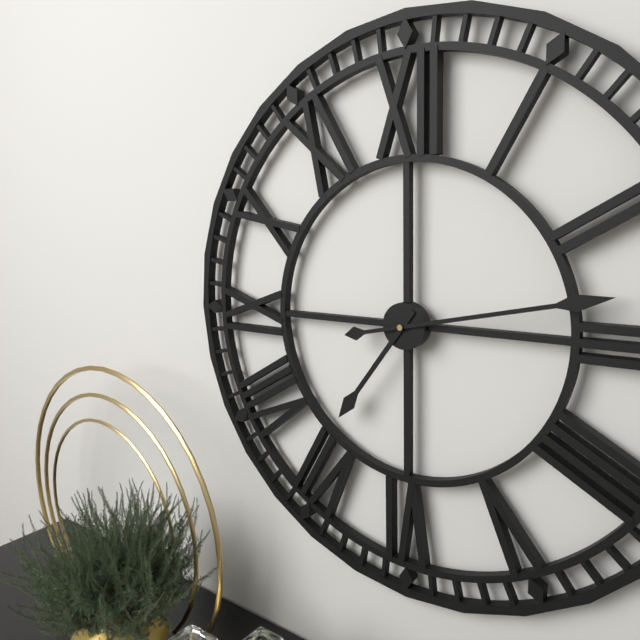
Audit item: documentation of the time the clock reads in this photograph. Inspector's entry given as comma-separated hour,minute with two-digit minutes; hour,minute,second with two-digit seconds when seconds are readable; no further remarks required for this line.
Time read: 7,13
